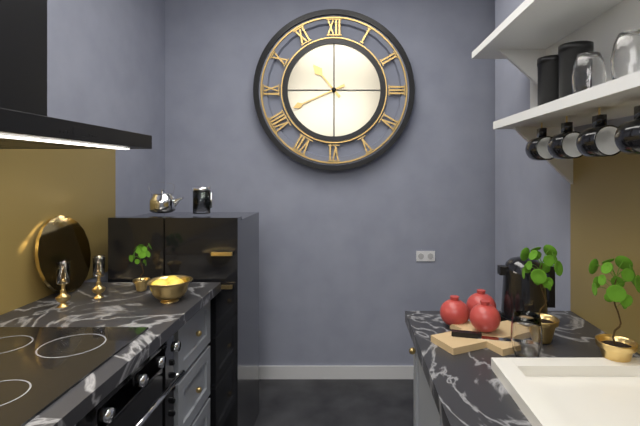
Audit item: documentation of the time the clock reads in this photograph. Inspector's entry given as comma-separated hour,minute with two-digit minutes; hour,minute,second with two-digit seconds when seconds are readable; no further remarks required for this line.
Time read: 10,41
